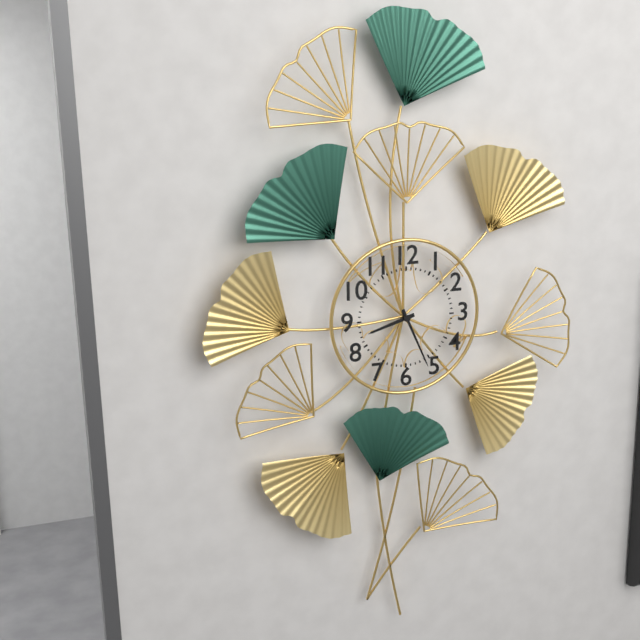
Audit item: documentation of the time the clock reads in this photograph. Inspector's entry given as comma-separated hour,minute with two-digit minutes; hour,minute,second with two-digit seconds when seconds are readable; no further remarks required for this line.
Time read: 8,26
